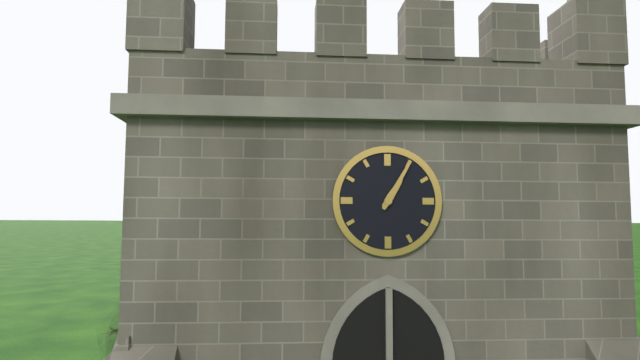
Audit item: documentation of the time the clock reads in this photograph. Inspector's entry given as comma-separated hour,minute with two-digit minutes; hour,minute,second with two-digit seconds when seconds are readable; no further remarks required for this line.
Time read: 1,05
